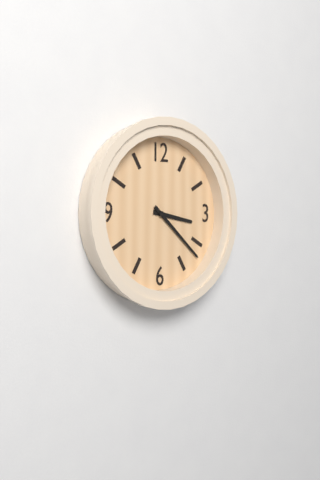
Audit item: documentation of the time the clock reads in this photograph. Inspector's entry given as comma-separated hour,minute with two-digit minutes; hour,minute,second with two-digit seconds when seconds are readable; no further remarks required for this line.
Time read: 3,22
